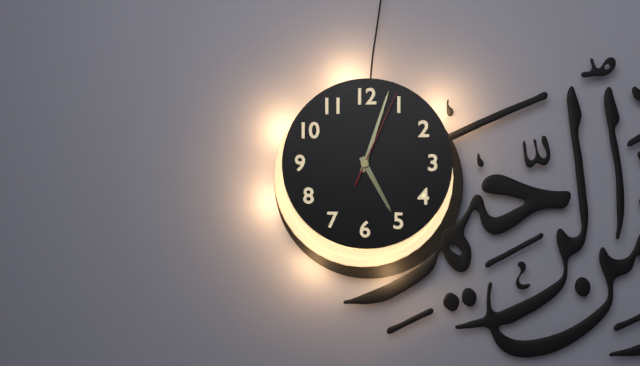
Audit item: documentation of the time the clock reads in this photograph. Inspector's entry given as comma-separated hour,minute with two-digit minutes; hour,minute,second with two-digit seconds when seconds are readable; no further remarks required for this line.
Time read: 5,03,04
